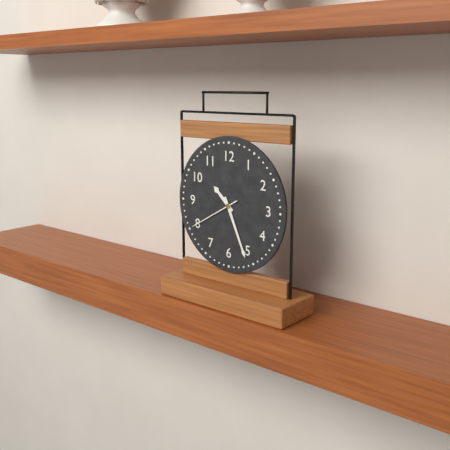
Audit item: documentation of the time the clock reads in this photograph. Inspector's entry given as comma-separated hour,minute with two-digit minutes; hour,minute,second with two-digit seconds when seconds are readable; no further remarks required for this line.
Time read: 10,26,40
